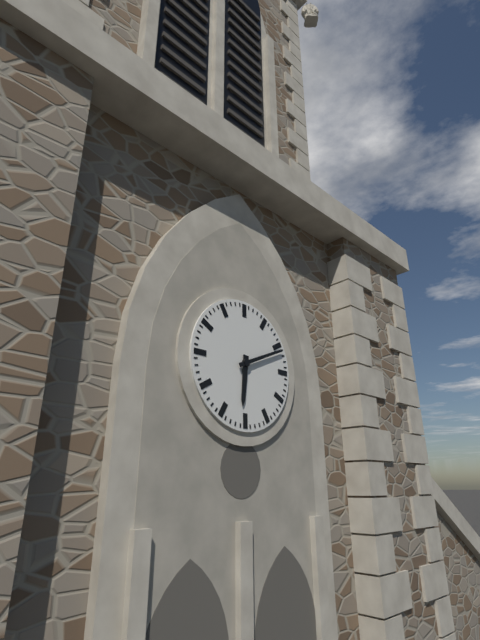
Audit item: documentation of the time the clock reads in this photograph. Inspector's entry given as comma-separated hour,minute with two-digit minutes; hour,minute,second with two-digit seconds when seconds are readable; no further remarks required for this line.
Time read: 6,11
